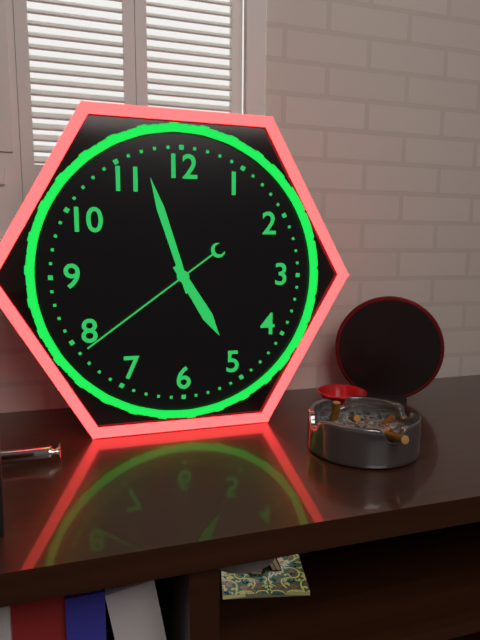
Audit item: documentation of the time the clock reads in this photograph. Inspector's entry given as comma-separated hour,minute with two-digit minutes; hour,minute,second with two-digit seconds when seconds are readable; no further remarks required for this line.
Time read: 4,57,39
